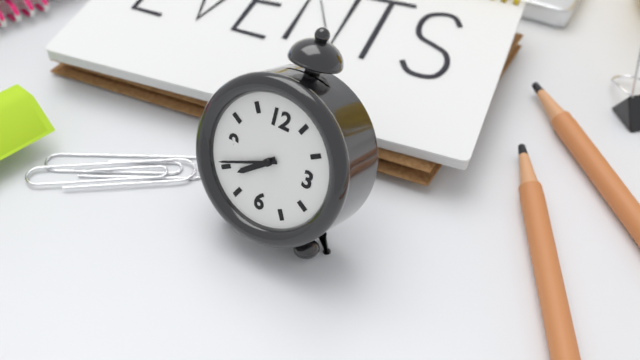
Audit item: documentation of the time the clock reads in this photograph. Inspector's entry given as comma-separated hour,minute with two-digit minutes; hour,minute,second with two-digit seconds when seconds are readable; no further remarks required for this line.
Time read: 7,41
